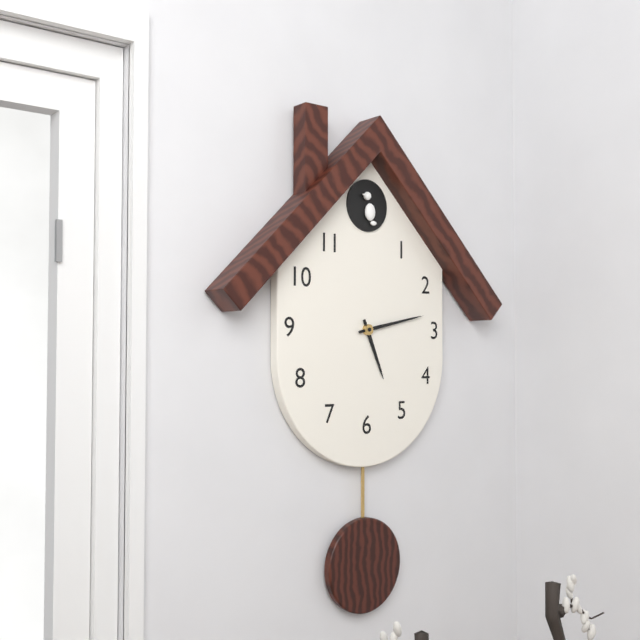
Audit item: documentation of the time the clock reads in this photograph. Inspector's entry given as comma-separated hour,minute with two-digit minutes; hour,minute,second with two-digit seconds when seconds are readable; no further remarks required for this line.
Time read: 5,13
